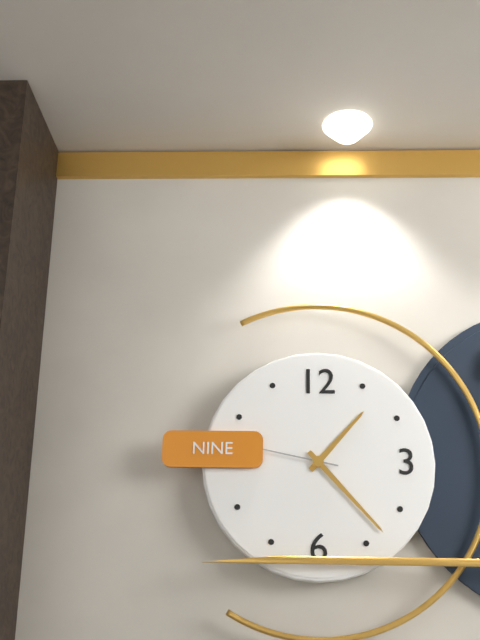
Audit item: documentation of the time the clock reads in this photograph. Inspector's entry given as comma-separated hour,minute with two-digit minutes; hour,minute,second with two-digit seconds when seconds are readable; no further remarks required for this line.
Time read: 1,23
